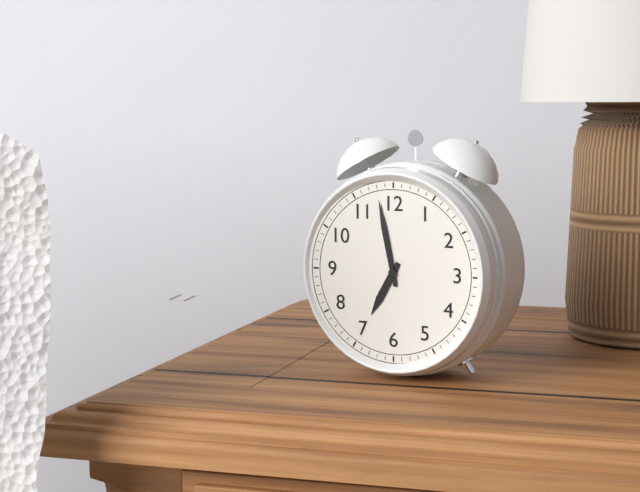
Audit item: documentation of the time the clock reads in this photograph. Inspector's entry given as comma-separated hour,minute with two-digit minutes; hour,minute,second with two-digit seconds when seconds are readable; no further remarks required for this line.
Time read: 6,58
